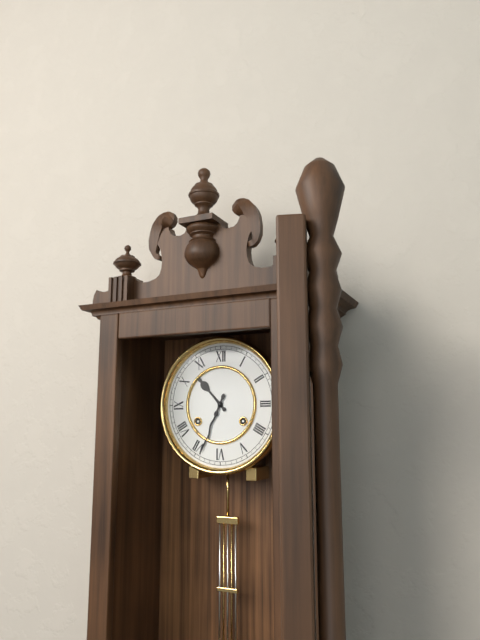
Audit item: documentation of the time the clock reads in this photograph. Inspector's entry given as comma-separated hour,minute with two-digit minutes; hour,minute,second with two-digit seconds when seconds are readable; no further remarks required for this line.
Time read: 10,34
